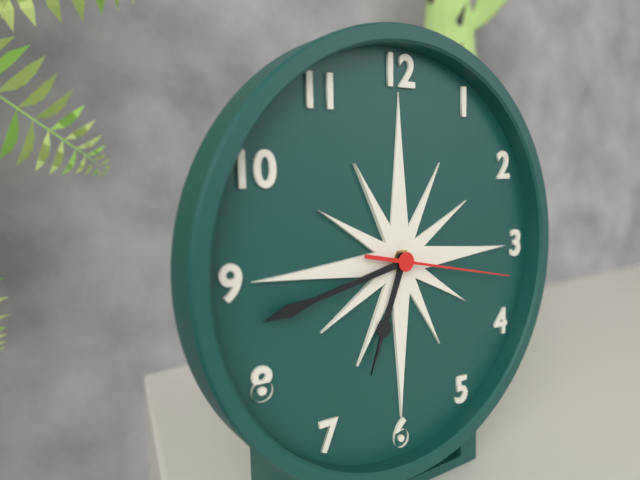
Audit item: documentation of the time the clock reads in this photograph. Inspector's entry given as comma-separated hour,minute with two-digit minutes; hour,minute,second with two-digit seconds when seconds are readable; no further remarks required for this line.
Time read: 6,43,17
